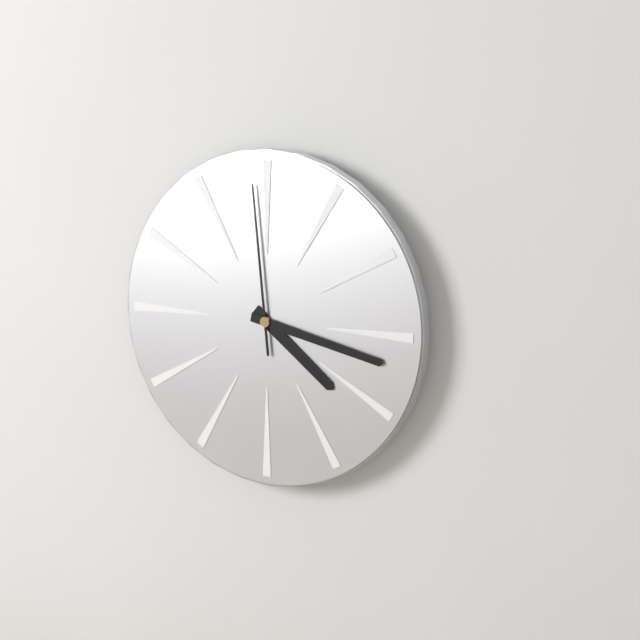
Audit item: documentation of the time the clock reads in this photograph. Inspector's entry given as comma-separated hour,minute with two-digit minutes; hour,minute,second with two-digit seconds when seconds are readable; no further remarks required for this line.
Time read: 4,17,59
